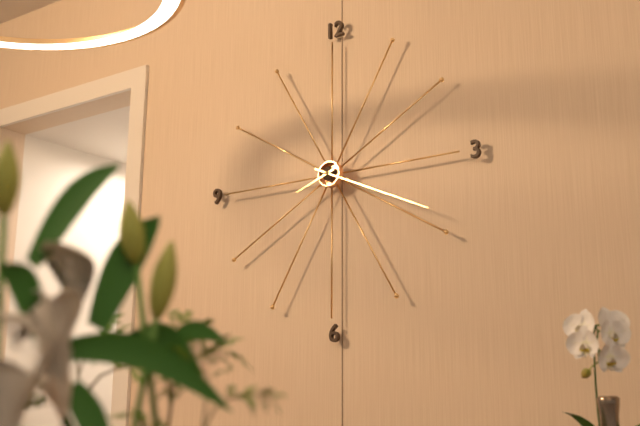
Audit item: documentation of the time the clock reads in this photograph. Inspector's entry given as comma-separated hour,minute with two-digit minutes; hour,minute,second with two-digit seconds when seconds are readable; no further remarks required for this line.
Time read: 8,19
